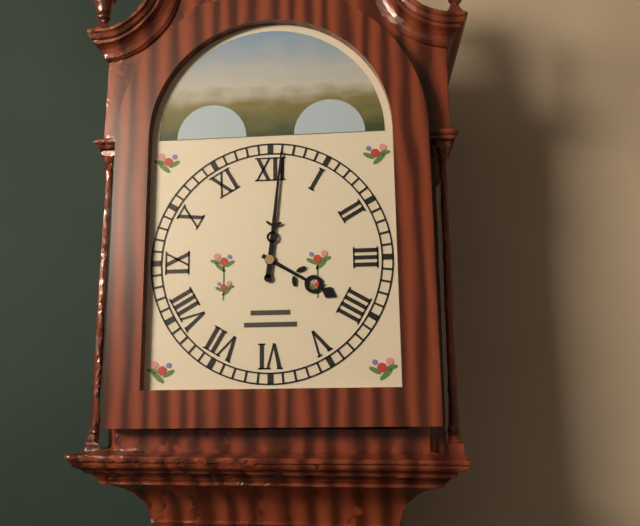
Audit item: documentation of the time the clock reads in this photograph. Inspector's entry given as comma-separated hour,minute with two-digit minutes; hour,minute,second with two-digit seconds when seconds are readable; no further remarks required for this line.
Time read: 4,01
